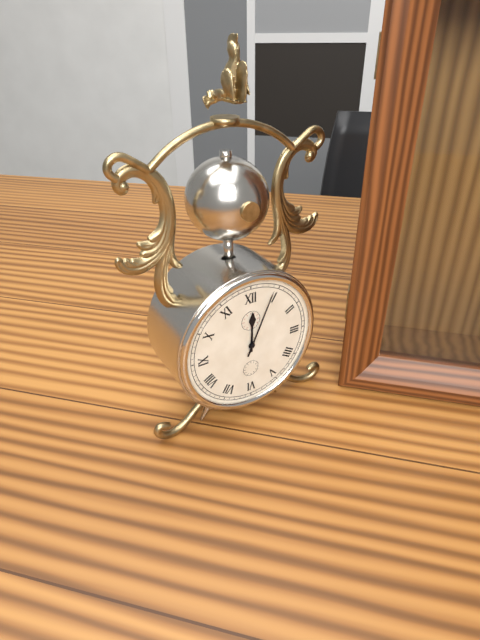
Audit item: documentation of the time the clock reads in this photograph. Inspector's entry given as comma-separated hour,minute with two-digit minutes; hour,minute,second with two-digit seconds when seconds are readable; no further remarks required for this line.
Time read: 12,04
